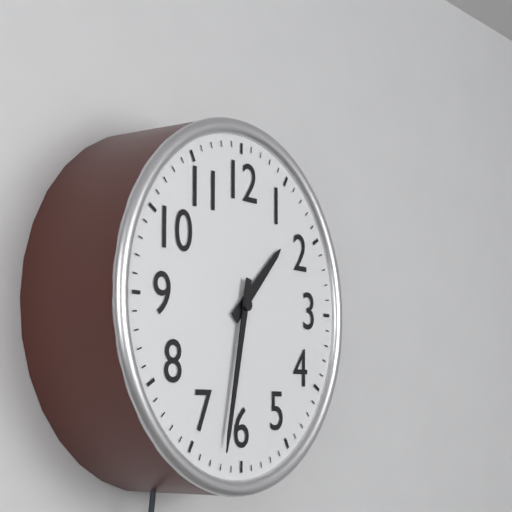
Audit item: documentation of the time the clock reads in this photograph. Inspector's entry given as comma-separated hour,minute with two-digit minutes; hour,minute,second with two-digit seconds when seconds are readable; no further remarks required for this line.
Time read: 1,32
